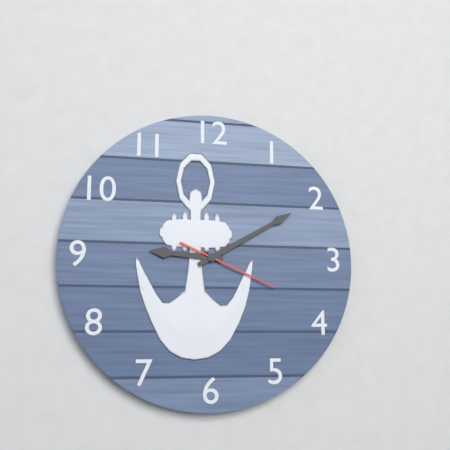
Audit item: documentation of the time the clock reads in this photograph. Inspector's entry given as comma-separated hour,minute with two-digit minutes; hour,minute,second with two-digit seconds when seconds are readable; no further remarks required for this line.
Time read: 9,10,19
